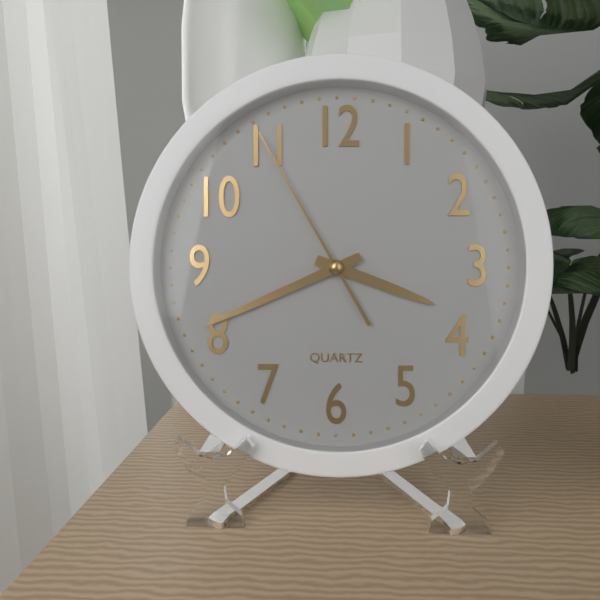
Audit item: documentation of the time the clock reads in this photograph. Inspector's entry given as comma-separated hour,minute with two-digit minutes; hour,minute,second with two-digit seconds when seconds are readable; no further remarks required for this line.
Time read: 3,41,55
